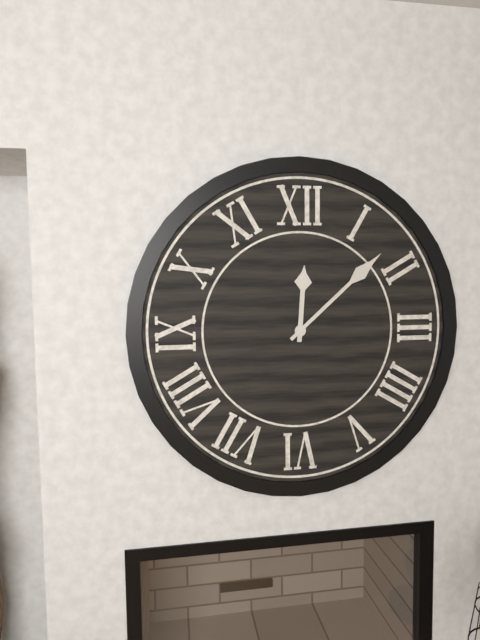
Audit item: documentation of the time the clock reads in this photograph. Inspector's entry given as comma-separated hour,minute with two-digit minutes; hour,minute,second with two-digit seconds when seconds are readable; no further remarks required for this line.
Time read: 12,08
